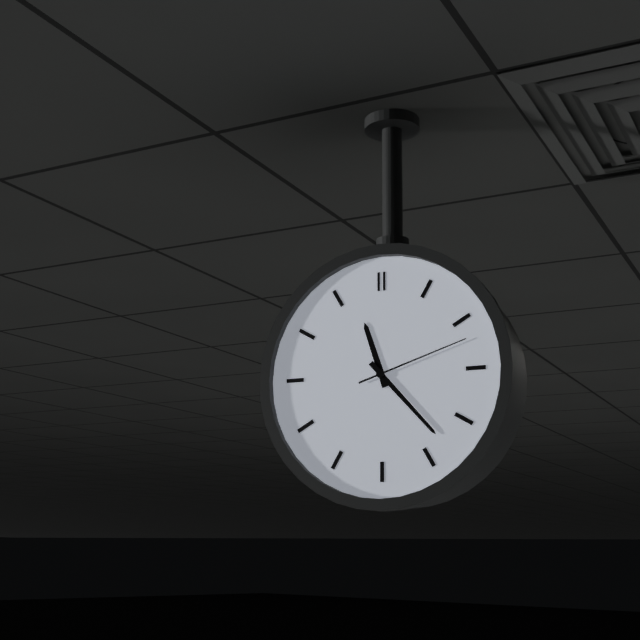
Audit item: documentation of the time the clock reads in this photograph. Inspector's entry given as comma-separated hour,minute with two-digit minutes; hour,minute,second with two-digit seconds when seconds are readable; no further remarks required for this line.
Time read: 11,23,12
